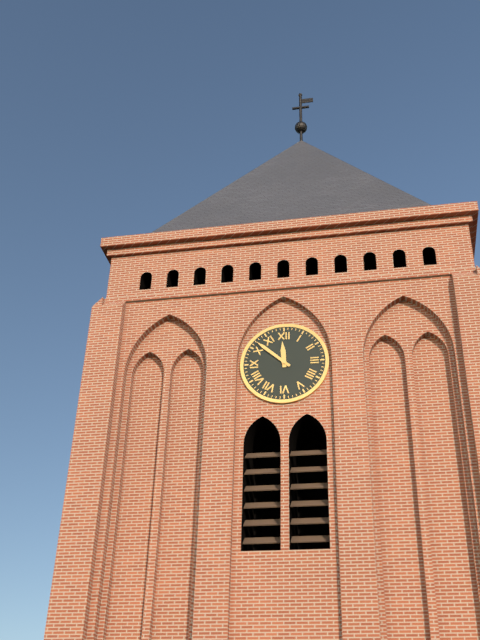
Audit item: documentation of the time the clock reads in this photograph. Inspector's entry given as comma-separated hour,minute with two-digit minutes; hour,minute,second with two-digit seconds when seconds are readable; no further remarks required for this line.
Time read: 11,52
